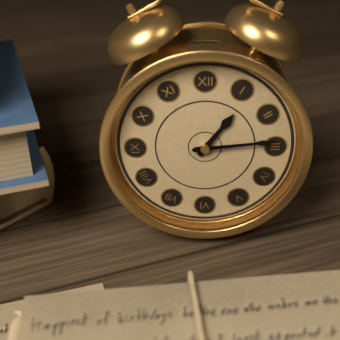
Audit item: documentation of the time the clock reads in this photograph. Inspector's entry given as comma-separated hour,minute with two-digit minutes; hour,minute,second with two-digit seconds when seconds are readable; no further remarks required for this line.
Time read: 1,14
